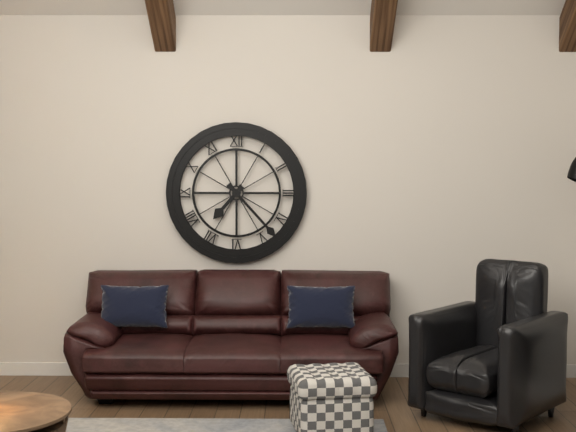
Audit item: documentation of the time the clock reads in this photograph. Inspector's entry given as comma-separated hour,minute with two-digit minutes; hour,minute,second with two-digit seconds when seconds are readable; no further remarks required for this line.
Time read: 7,23
